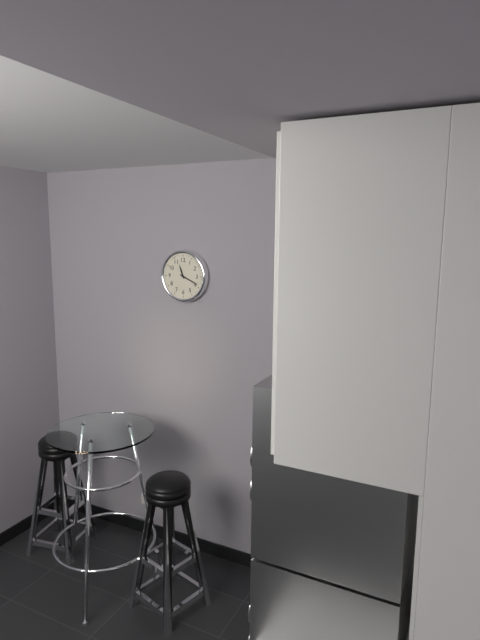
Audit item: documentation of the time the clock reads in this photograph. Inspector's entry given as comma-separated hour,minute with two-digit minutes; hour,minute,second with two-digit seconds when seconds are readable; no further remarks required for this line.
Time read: 11,19
